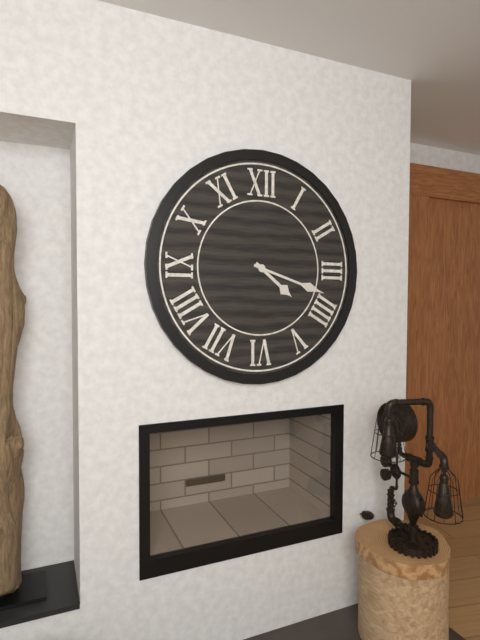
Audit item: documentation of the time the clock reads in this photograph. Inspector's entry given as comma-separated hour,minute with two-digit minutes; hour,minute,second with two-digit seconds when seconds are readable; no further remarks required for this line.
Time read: 4,18
